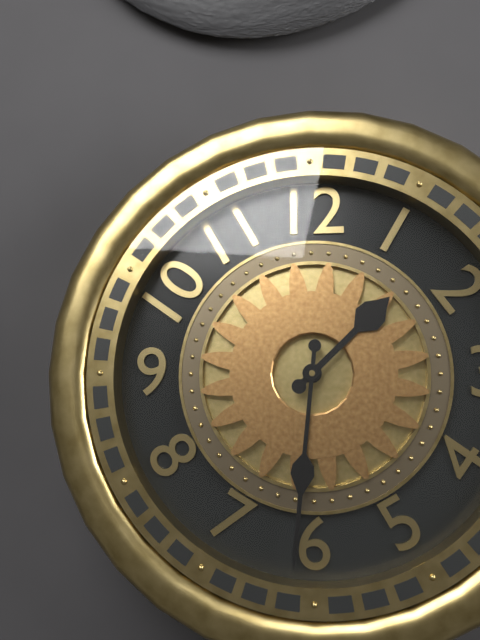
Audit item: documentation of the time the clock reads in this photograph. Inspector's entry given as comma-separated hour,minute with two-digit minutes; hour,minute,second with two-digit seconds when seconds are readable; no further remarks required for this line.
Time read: 1,31
